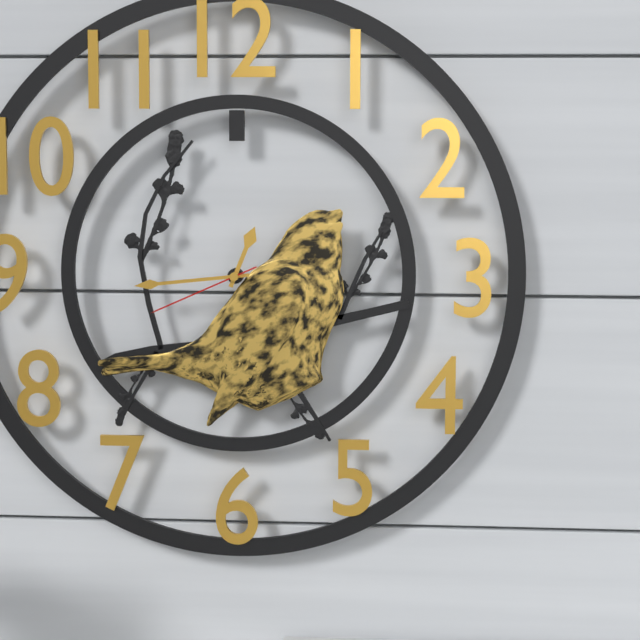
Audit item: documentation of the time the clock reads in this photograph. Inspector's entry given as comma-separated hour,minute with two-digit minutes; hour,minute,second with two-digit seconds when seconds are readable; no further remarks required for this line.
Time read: 12,44,41
